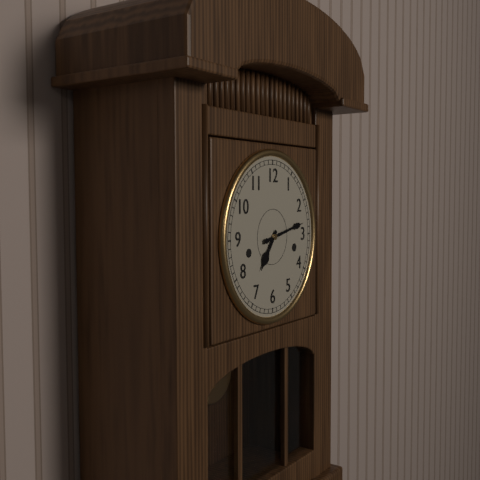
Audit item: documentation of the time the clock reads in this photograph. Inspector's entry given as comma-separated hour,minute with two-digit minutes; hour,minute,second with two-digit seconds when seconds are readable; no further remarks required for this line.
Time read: 7,13
